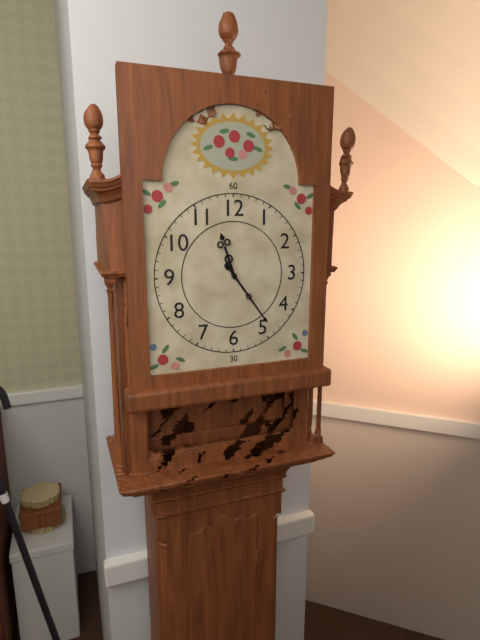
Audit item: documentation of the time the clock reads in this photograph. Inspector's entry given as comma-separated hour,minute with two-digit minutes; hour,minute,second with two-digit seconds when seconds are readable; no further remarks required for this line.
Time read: 11,24
